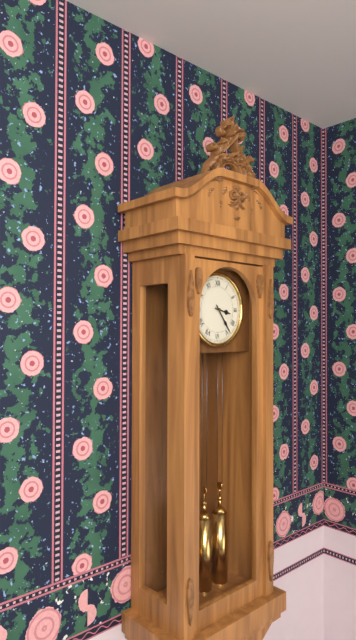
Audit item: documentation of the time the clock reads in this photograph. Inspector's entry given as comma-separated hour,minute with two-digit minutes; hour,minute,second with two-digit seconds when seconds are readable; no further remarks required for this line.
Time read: 3,24
